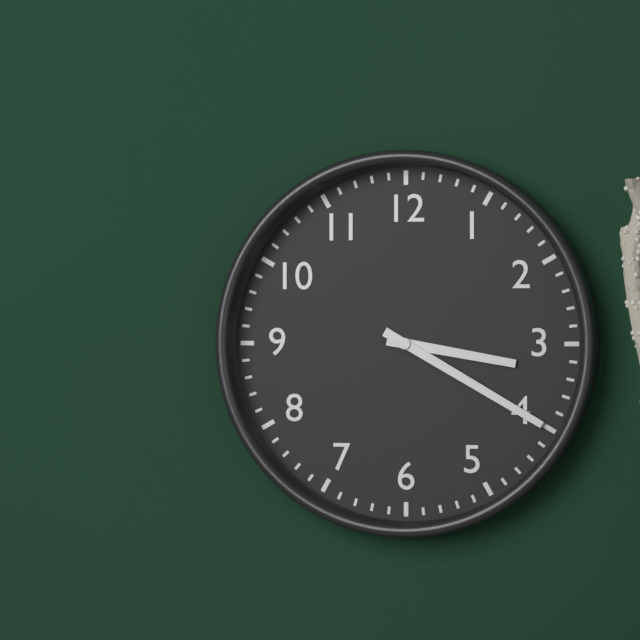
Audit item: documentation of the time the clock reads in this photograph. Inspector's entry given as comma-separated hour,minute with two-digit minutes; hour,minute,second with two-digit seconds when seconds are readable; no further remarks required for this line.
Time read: 3,20
